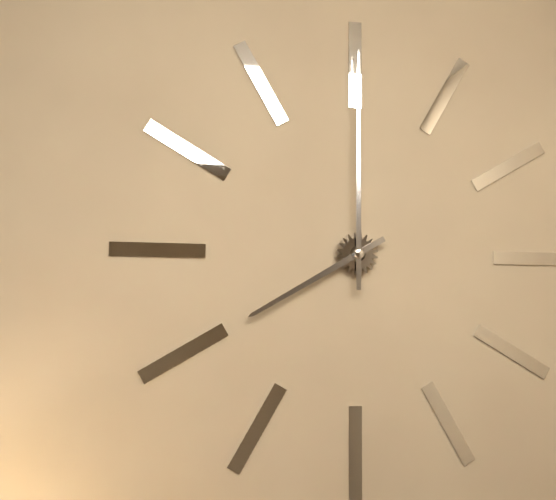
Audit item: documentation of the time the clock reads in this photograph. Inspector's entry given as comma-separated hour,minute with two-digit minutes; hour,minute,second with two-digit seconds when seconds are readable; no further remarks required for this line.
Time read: 8,00
